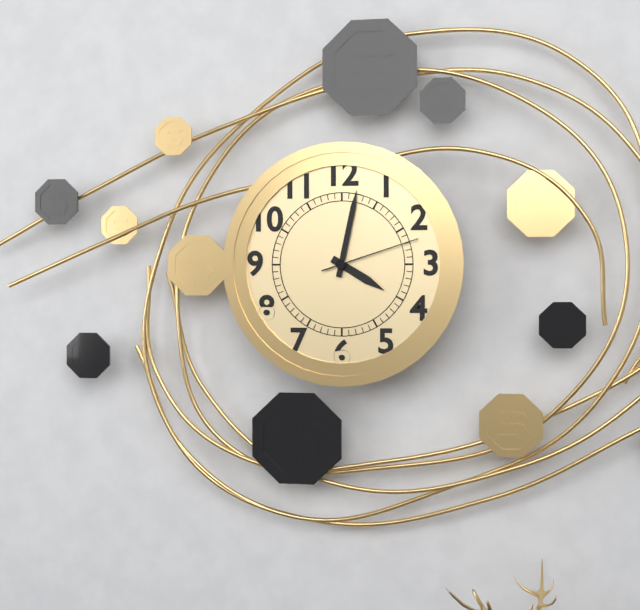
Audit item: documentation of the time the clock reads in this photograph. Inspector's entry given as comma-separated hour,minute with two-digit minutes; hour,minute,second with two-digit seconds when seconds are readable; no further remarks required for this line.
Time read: 4,02,12
